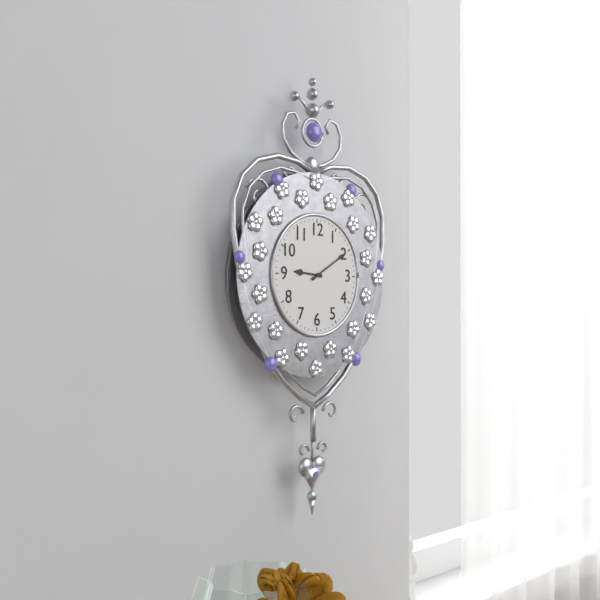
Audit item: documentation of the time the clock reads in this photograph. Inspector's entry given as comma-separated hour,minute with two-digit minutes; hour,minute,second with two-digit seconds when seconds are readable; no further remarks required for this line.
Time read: 9,10
